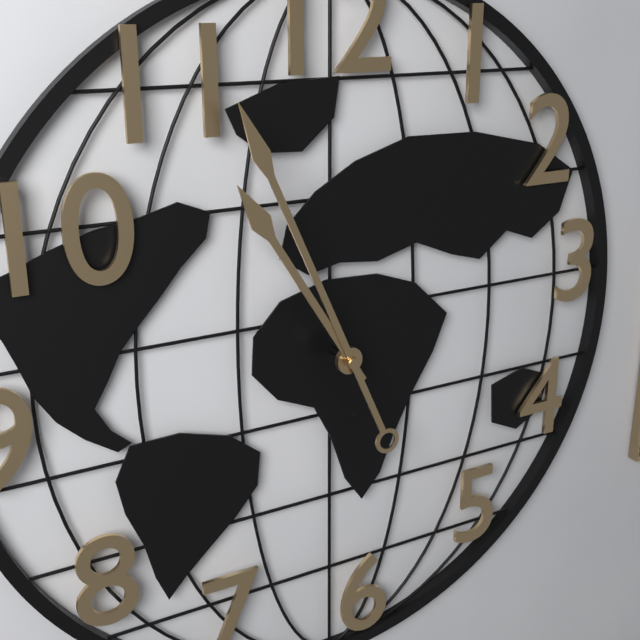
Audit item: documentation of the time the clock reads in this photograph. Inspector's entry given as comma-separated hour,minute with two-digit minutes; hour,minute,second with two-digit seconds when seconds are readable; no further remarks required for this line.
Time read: 10,56
